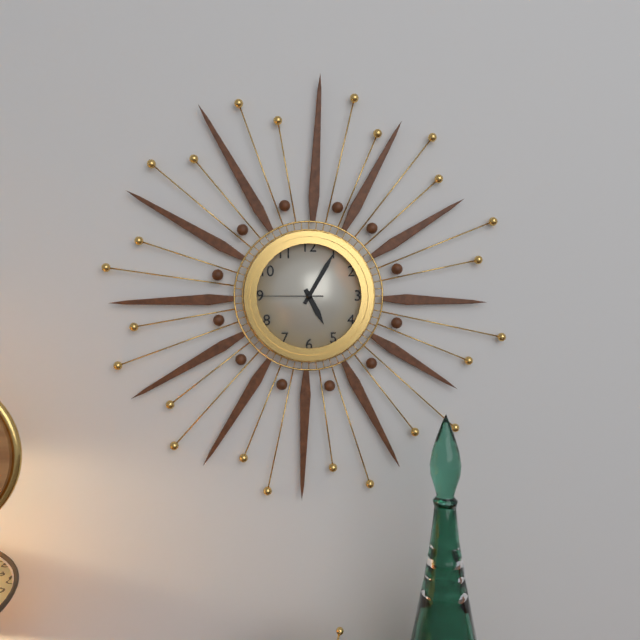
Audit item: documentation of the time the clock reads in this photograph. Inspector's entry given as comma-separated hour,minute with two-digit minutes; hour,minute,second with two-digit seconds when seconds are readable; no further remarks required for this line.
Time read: 5,05,45
